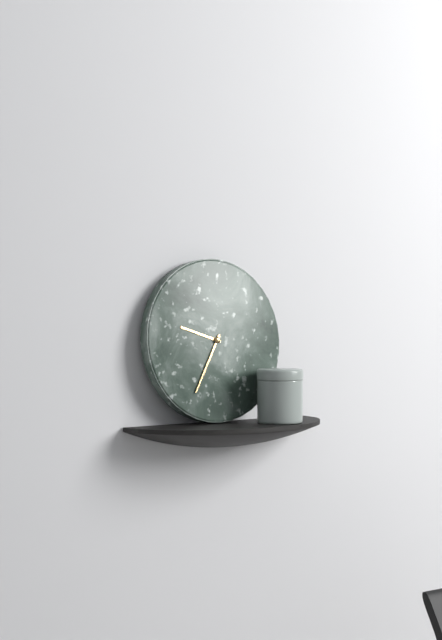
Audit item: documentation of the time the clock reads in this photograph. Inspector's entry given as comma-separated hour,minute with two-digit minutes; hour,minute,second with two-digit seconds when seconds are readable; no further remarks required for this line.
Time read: 9,35
